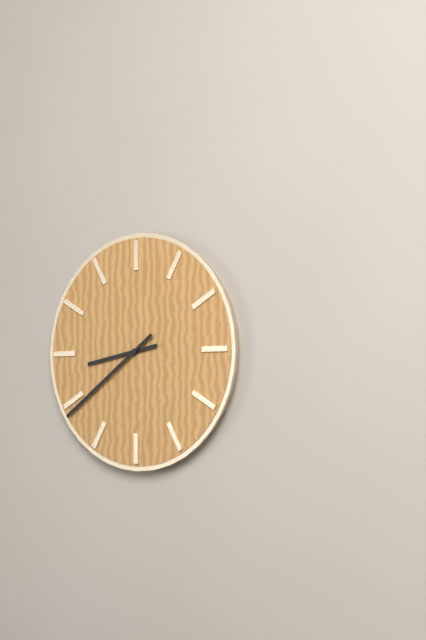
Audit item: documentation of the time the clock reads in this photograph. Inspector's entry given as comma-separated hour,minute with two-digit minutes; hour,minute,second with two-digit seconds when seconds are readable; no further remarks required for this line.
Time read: 8,39
